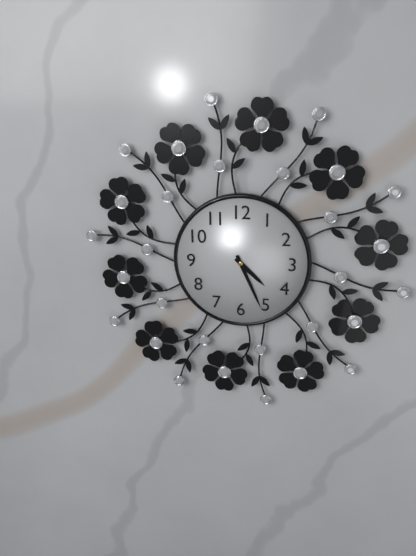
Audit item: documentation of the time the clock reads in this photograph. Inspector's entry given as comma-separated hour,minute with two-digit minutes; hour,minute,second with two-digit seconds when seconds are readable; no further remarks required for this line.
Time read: 4,26
